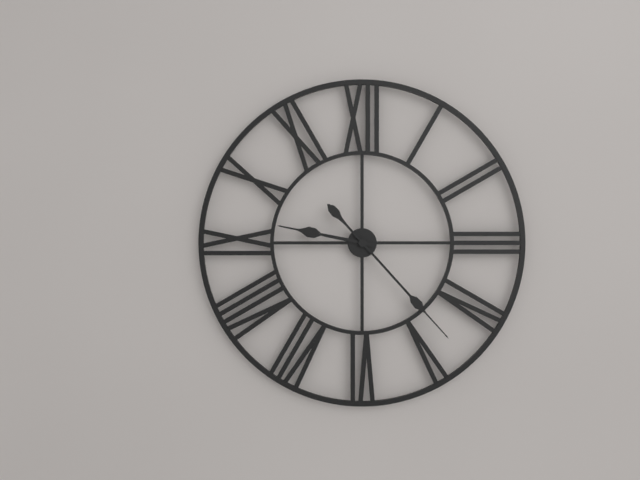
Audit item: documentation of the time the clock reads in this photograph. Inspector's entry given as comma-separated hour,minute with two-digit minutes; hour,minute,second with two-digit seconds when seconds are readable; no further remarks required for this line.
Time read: 9,23
